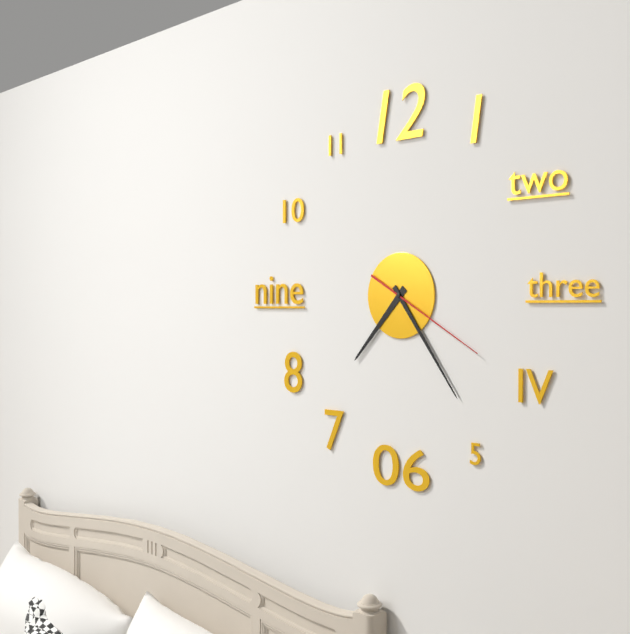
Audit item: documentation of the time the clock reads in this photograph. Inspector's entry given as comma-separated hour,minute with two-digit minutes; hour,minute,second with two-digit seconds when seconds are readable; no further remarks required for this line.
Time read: 7,24,20
